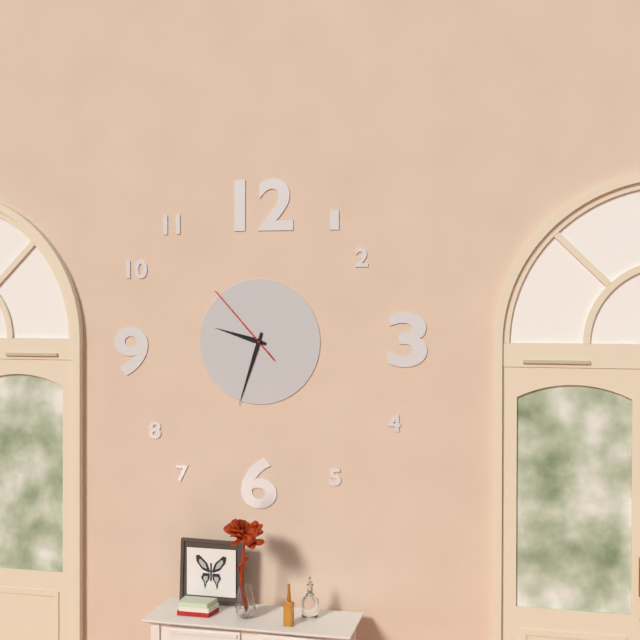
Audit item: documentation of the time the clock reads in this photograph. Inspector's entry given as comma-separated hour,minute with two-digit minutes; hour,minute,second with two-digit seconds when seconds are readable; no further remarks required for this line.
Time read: 9,33,53
